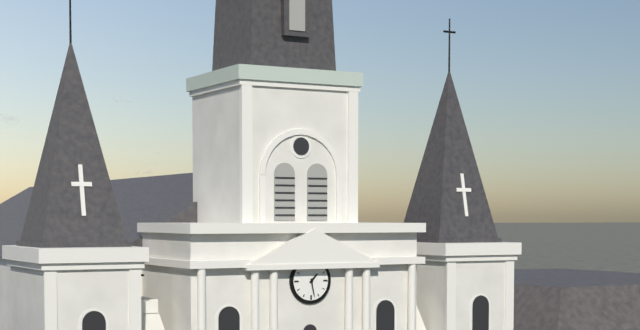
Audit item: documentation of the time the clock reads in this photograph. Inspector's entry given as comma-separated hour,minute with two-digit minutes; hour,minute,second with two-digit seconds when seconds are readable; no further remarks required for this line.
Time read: 1,28
